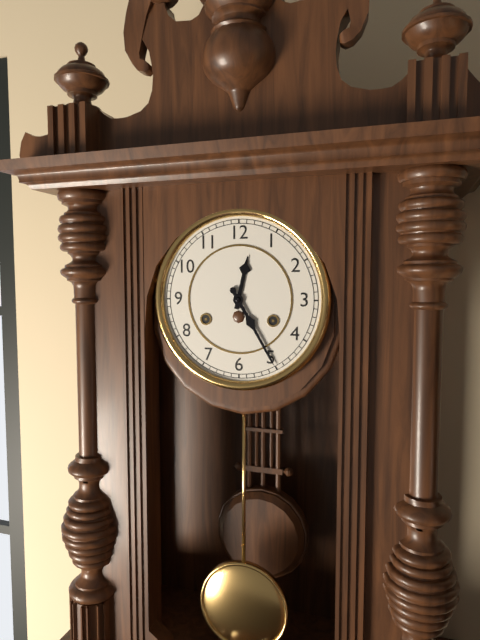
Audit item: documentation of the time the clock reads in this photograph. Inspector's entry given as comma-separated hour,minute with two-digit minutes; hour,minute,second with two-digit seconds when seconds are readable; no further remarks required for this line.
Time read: 12,25
